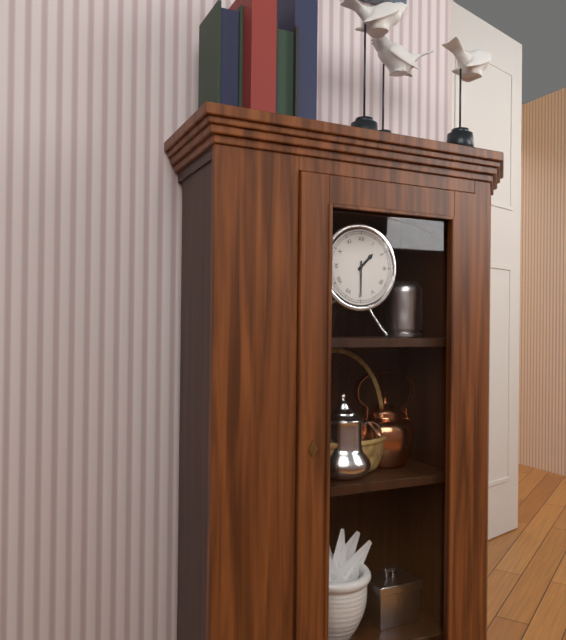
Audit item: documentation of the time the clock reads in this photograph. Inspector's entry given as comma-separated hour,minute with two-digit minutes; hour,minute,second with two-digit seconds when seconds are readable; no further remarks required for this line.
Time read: 1,30
